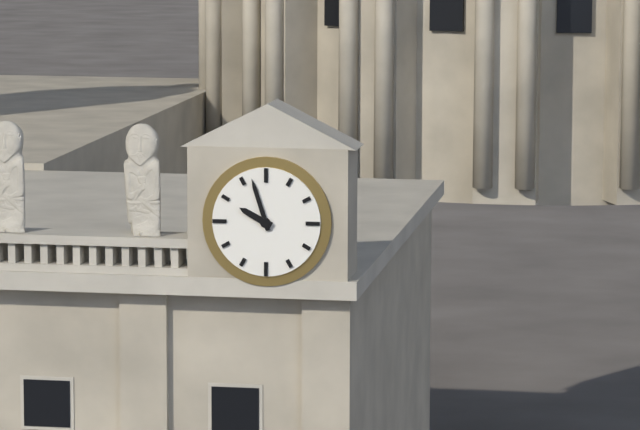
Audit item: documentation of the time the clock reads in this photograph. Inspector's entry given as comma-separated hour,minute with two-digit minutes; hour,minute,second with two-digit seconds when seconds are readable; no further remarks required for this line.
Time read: 9,57
